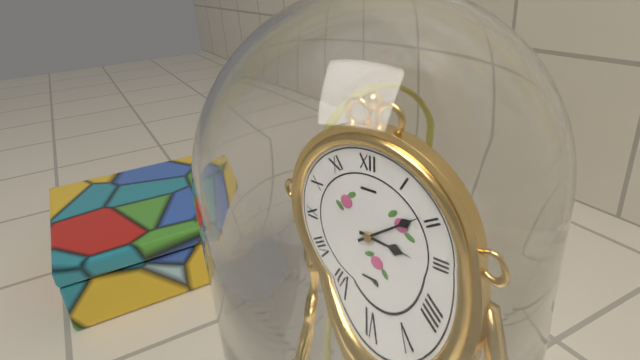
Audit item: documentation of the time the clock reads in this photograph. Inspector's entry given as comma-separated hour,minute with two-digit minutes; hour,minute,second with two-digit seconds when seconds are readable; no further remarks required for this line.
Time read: 3,09
